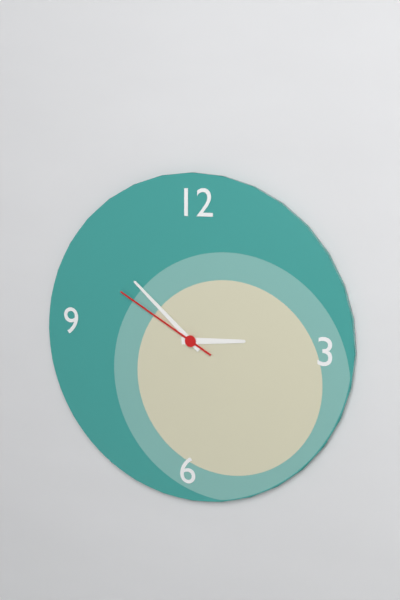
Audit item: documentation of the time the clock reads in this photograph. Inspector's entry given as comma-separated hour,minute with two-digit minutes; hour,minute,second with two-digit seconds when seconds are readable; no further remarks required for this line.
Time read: 2,52,50
